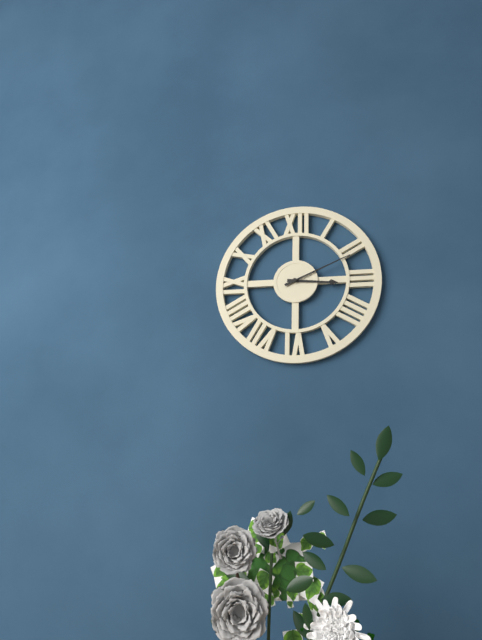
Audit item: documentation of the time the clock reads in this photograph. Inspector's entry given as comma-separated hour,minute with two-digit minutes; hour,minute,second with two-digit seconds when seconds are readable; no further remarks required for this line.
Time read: 3,11
